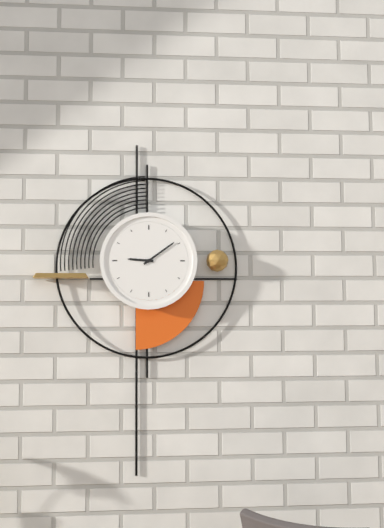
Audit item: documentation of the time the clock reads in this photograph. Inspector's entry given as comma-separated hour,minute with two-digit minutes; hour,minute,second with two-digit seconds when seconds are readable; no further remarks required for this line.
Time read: 9,09
